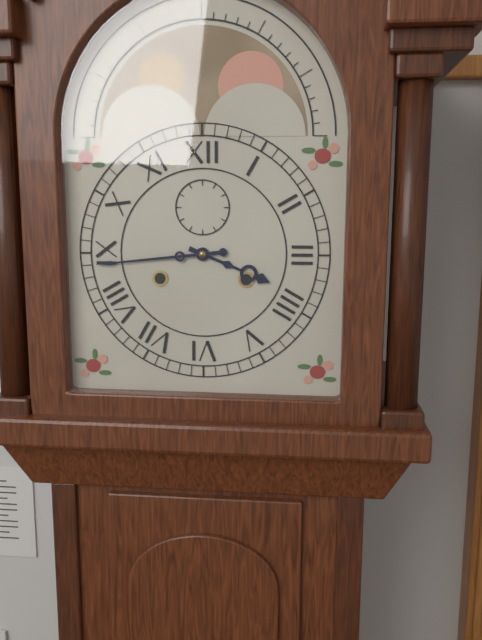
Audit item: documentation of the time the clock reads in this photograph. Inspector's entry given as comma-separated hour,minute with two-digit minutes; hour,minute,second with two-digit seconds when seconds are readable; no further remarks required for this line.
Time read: 3,44
